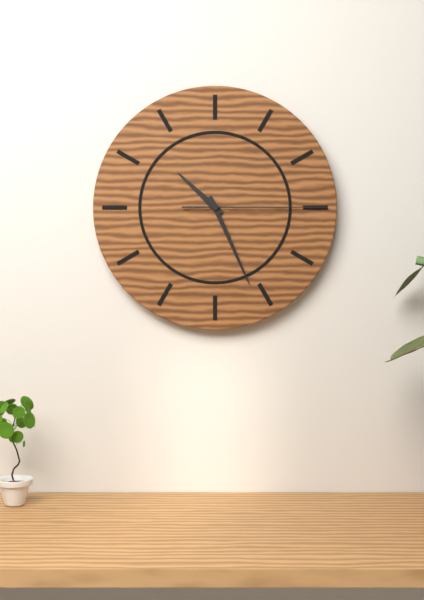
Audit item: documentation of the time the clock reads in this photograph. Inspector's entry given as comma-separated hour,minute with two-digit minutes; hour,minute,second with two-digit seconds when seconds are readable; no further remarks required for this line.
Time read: 10,26,15
